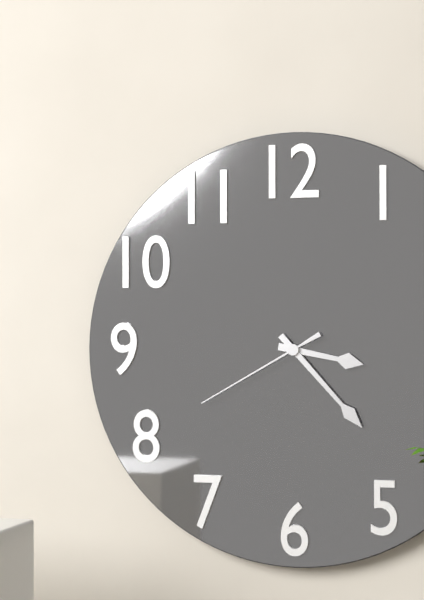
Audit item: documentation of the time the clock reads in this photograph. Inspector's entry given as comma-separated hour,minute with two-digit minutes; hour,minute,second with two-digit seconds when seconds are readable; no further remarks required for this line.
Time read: 3,23,40
